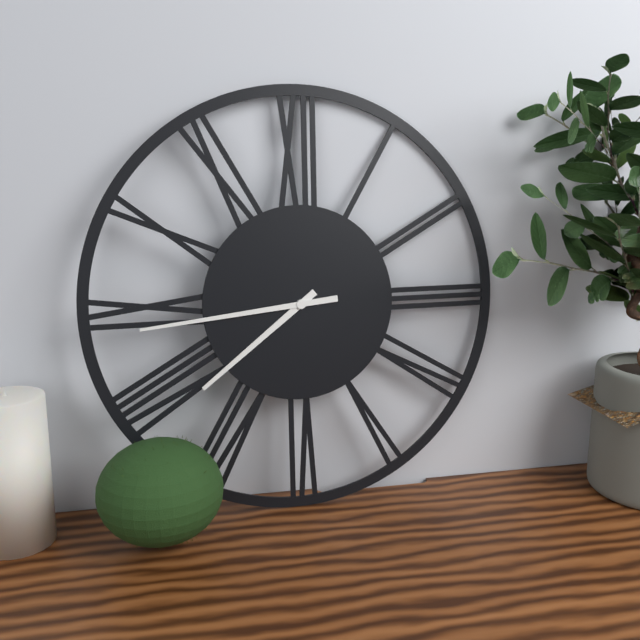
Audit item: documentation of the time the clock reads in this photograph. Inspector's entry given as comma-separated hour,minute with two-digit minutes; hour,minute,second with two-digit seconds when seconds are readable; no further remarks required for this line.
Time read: 7,44
